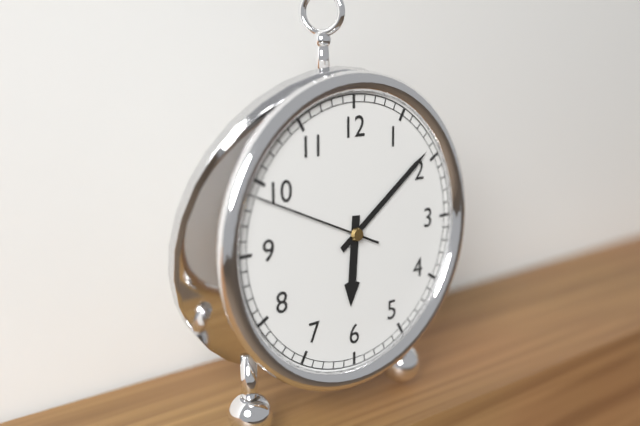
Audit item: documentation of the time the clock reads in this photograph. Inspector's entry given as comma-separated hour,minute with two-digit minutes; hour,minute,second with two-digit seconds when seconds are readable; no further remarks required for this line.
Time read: 6,09,49
